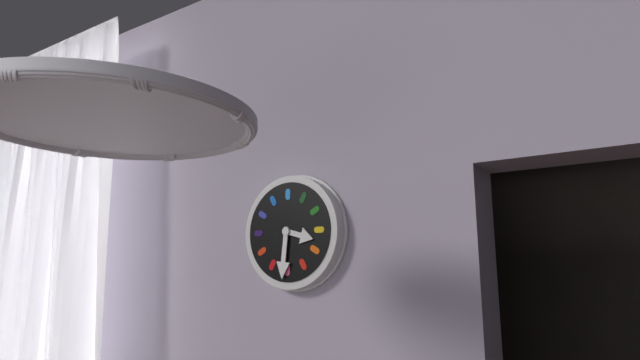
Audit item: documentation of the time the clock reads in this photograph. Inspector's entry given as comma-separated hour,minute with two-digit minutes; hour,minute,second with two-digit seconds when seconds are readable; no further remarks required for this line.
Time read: 3,31
